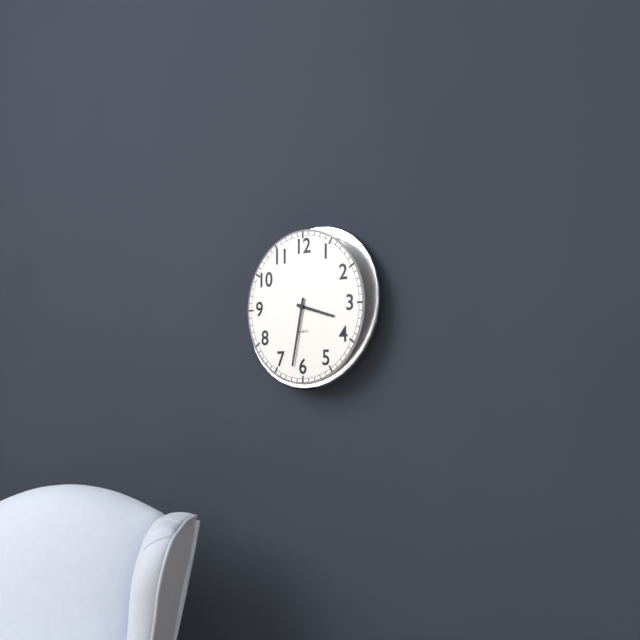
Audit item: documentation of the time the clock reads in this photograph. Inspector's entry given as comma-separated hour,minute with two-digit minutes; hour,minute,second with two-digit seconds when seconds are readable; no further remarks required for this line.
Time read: 3,32
